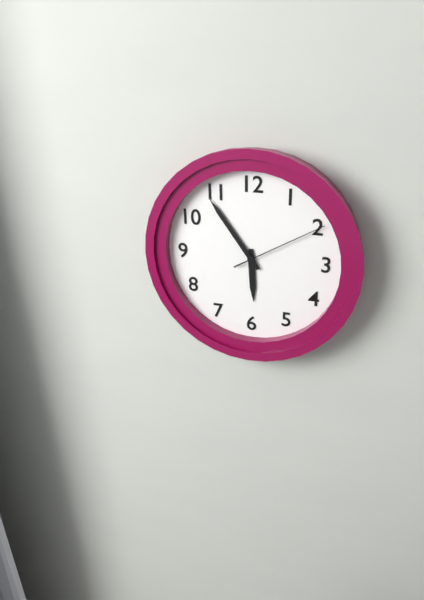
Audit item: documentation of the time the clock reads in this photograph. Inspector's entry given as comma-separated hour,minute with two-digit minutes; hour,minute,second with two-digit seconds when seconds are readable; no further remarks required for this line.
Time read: 5,54,10
